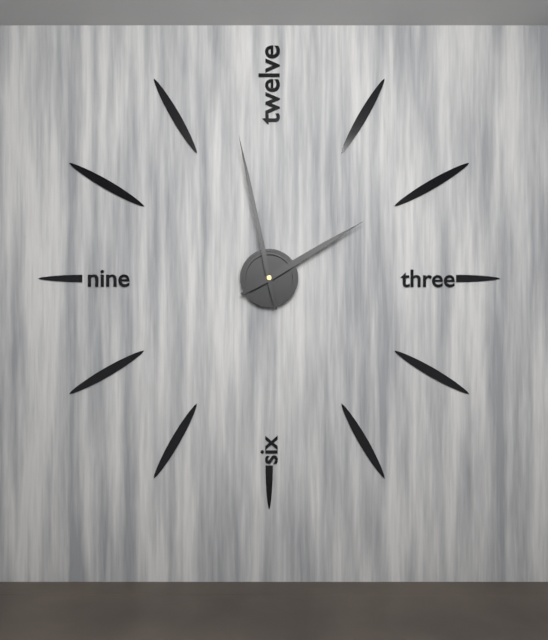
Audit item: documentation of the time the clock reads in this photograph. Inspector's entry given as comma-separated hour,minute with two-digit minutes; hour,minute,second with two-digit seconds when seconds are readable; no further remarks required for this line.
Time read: 1,58
